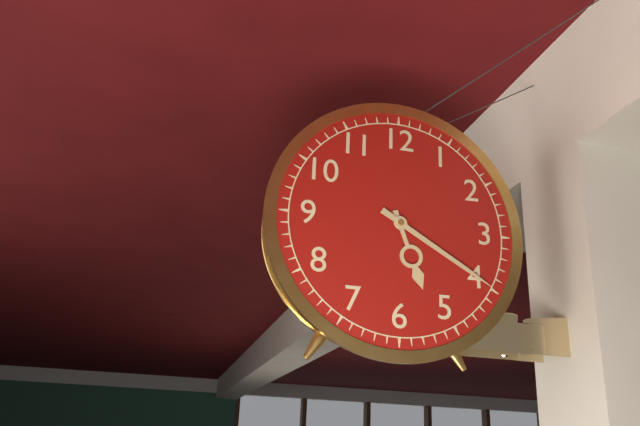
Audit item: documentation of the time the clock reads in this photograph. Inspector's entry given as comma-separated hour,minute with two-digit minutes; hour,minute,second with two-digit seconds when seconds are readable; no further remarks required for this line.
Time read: 5,20
